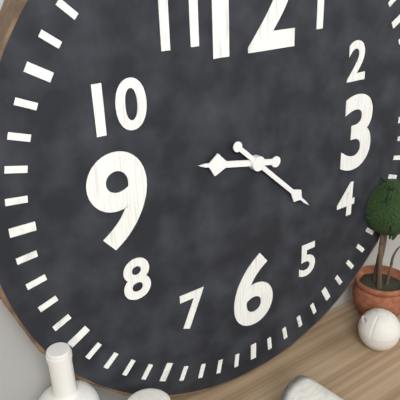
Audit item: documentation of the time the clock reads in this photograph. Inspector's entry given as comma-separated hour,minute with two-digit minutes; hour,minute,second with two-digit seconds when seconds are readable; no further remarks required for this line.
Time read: 9,22
